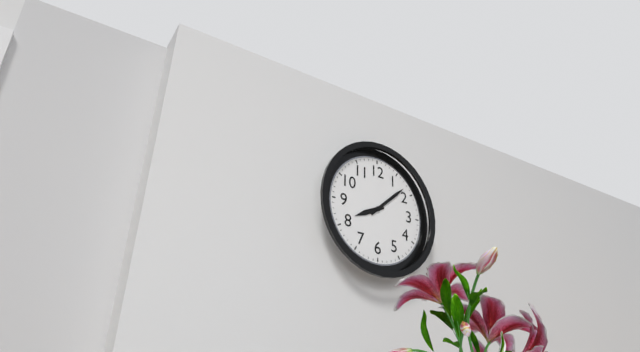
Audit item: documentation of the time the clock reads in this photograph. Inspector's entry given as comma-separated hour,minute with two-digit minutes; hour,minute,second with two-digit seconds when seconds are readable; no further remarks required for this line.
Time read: 8,08
